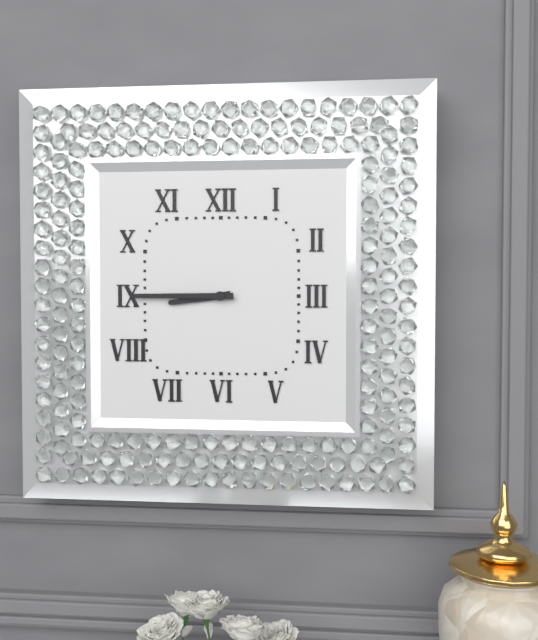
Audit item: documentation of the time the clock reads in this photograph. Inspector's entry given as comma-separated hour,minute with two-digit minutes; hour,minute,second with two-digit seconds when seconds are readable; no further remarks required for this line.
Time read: 8,45
